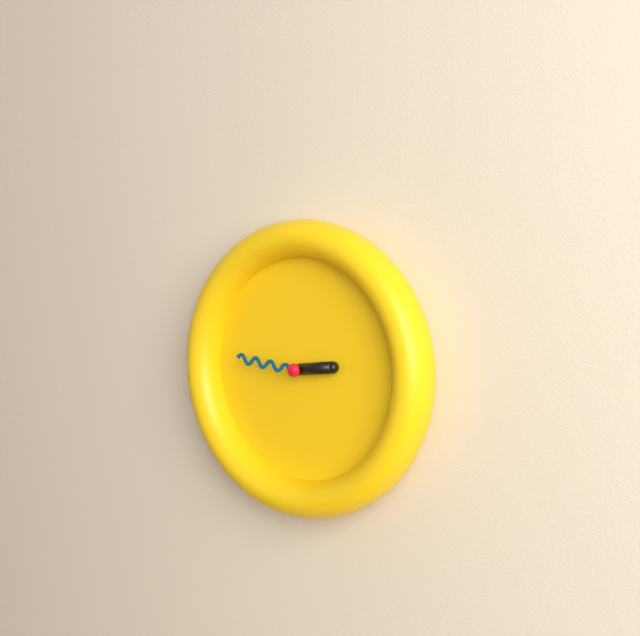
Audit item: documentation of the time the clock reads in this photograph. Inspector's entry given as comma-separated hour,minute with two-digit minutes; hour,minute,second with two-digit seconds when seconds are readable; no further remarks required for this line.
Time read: 2,46
